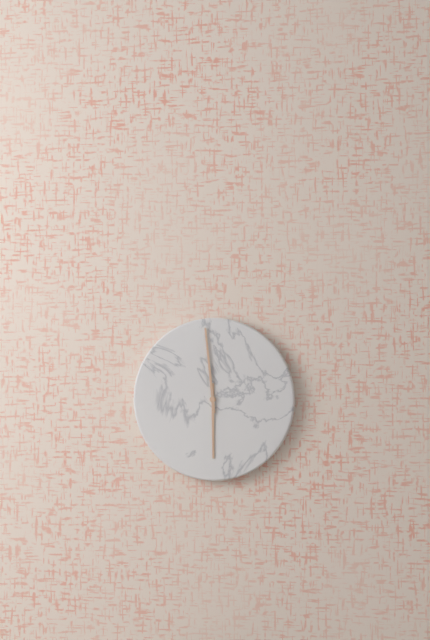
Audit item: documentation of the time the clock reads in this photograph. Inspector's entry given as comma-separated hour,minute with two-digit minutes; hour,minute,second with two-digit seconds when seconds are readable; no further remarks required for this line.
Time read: 5,59
